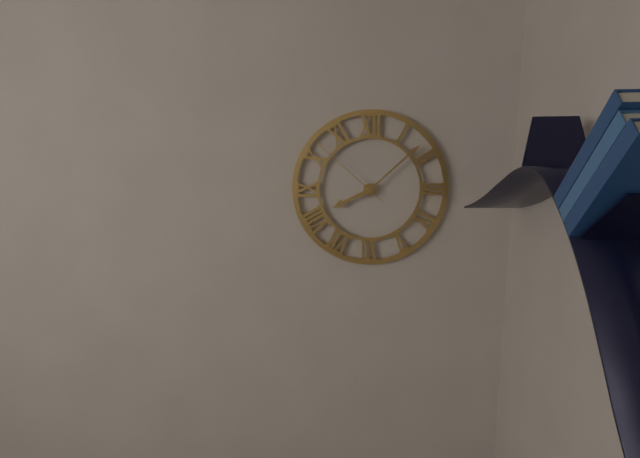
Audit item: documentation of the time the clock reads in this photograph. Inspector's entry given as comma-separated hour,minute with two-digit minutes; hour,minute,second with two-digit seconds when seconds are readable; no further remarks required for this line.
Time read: 8,08,52
